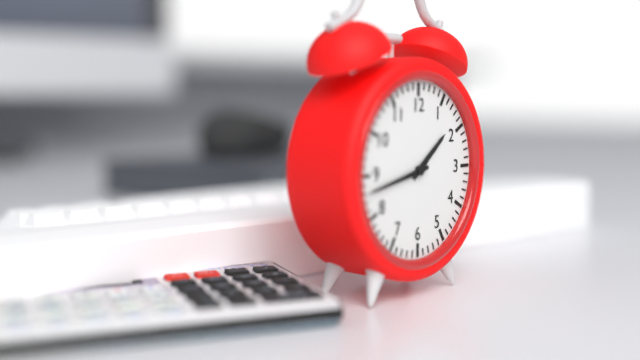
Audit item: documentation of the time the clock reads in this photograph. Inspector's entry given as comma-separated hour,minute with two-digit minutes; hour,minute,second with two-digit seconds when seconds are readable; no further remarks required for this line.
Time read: 1,43
